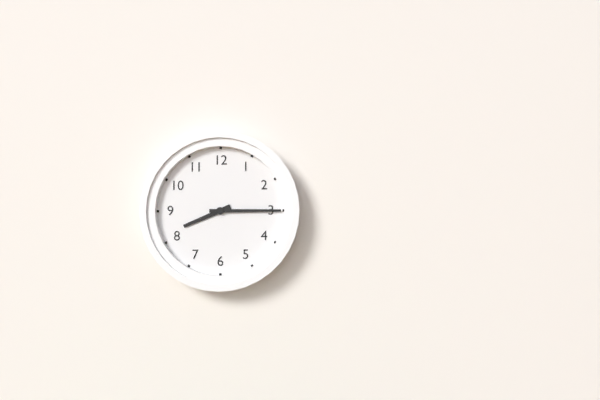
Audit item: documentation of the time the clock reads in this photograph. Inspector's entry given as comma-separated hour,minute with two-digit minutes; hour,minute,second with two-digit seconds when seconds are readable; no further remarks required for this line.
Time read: 8,15
